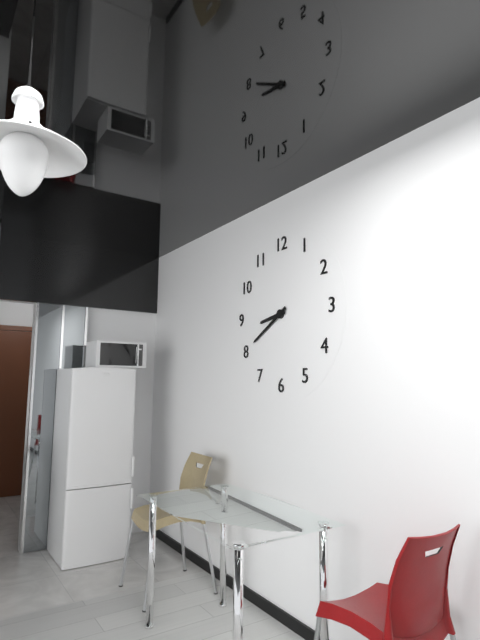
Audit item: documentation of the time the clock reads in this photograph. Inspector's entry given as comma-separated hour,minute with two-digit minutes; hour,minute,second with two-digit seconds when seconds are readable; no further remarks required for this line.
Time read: 8,40
